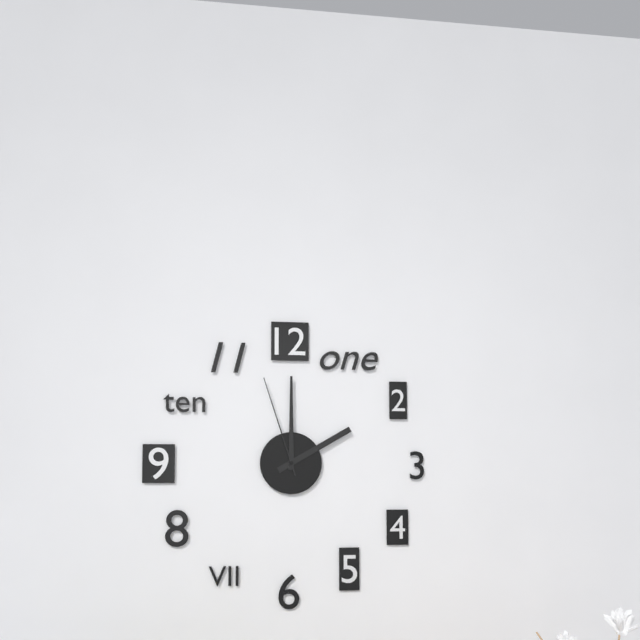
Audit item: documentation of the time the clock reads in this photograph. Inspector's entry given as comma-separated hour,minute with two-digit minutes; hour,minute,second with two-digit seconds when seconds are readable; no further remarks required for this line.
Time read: 2,00,57
